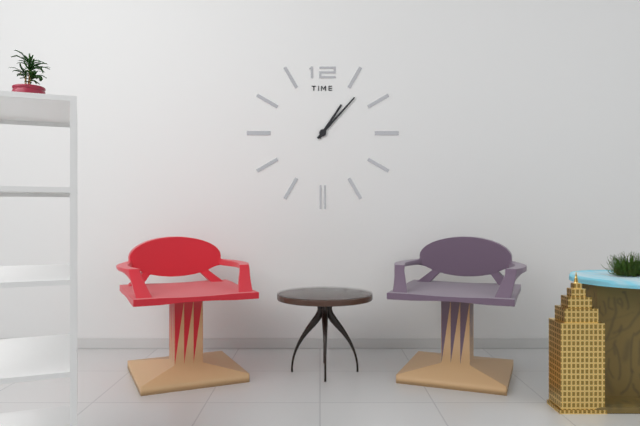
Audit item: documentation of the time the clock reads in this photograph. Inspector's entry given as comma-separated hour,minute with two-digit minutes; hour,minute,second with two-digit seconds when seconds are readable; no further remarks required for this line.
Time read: 1,07
